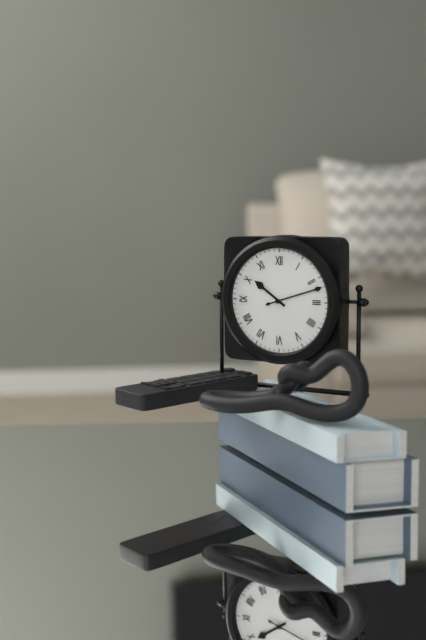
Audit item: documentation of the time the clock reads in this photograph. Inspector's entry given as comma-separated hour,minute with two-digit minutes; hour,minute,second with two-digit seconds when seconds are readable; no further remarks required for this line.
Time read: 10,12
